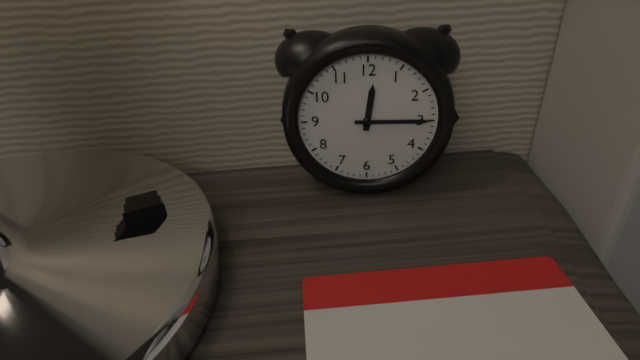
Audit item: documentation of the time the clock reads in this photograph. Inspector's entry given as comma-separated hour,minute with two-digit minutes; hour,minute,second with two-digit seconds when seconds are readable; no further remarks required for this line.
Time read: 12,15
